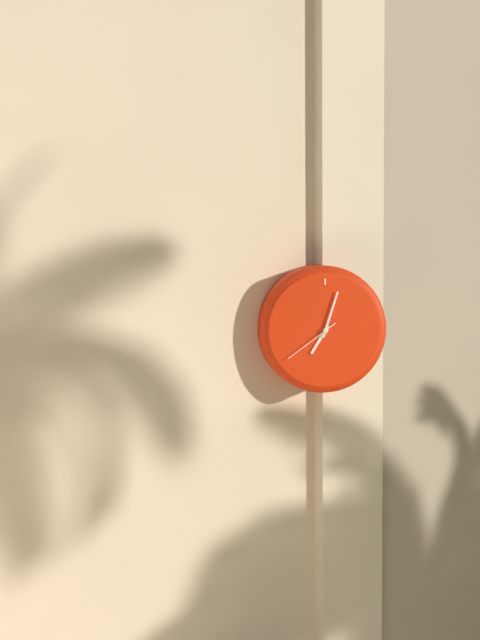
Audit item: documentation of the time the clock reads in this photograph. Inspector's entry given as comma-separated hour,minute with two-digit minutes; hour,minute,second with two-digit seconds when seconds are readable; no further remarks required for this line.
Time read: 7,03,39
